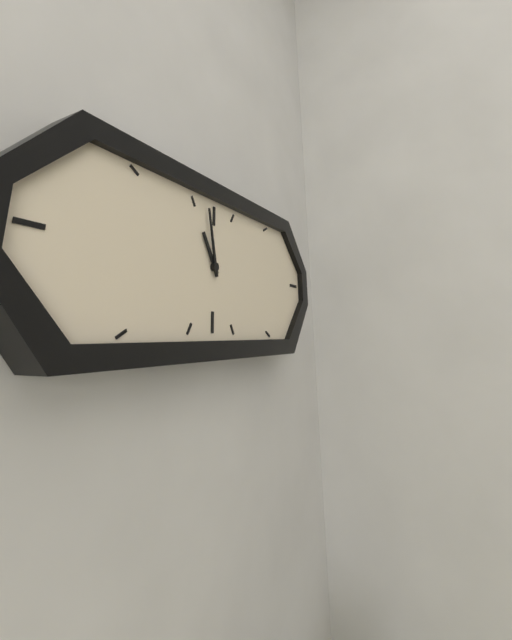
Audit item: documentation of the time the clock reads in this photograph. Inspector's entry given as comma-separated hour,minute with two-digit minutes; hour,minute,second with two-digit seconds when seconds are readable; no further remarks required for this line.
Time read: 10,58
